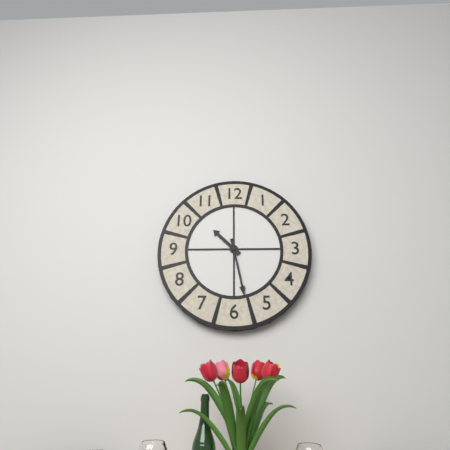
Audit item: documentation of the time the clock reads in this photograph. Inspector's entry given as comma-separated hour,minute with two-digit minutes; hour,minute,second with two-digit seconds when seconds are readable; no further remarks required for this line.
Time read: 10,28
